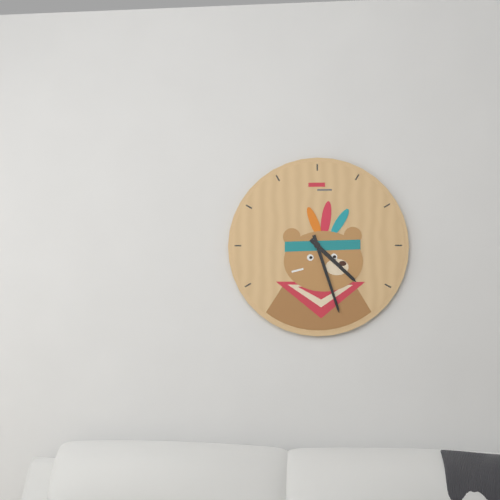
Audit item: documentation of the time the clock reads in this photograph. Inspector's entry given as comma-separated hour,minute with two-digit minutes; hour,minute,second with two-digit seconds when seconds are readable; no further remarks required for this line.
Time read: 4,27
